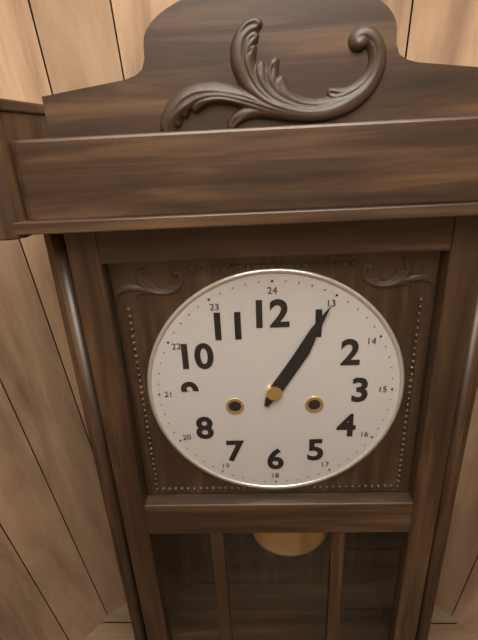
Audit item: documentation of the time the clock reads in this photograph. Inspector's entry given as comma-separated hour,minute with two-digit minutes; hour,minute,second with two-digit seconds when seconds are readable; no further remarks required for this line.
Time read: 1,05
